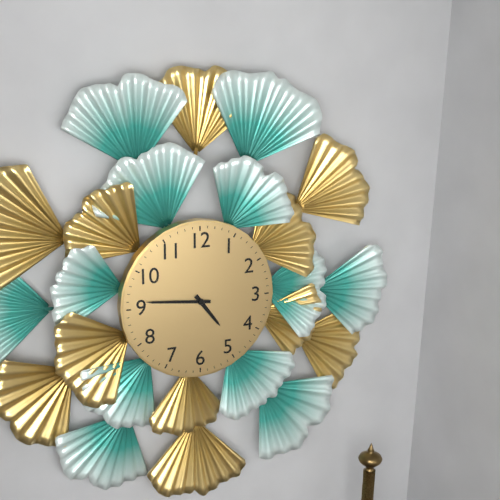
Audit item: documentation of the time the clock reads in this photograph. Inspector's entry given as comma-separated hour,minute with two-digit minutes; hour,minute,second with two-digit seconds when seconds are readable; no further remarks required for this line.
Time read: 4,46
